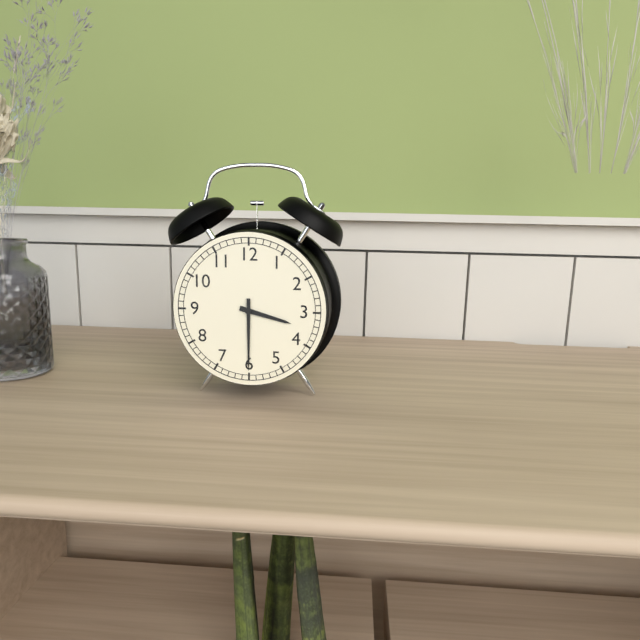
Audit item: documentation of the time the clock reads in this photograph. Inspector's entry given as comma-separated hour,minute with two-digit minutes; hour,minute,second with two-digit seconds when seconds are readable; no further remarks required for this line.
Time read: 3,30
